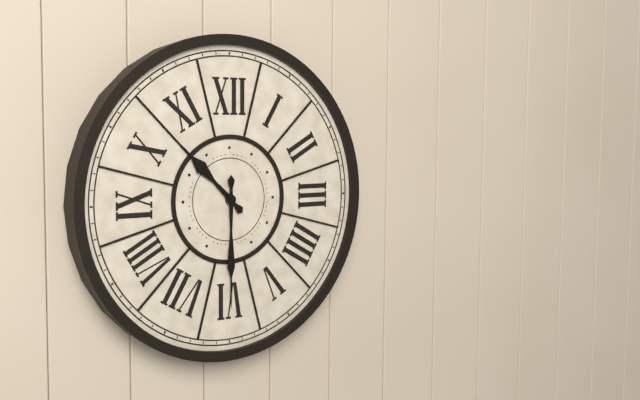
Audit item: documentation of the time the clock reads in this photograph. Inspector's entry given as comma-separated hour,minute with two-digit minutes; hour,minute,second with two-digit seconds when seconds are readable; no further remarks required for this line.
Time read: 10,30
